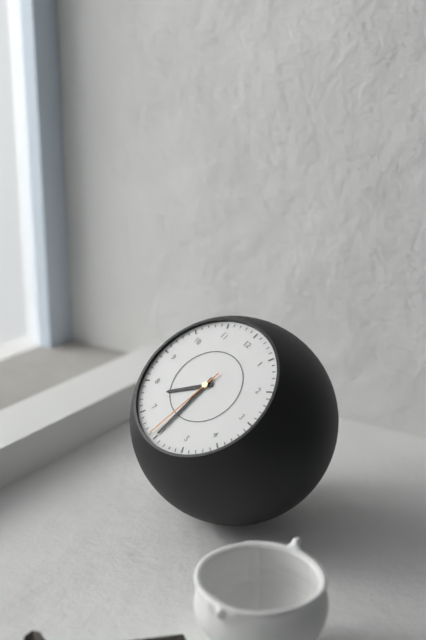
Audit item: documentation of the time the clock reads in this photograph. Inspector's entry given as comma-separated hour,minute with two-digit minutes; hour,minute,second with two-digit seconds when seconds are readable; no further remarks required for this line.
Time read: 7,30,31
